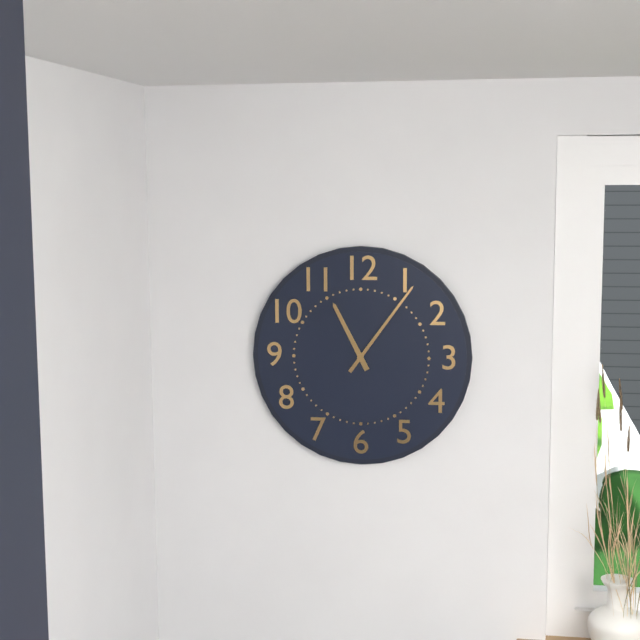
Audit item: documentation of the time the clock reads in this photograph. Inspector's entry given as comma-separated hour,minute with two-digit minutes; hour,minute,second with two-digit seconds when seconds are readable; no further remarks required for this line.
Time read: 11,06
